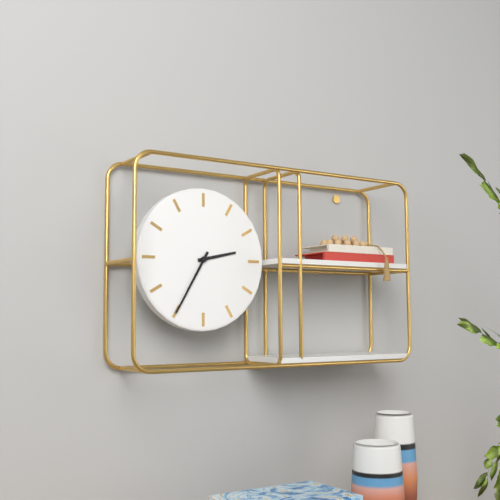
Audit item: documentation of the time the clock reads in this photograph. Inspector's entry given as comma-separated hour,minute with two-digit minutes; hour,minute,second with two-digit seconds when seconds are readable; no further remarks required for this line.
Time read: 2,35
